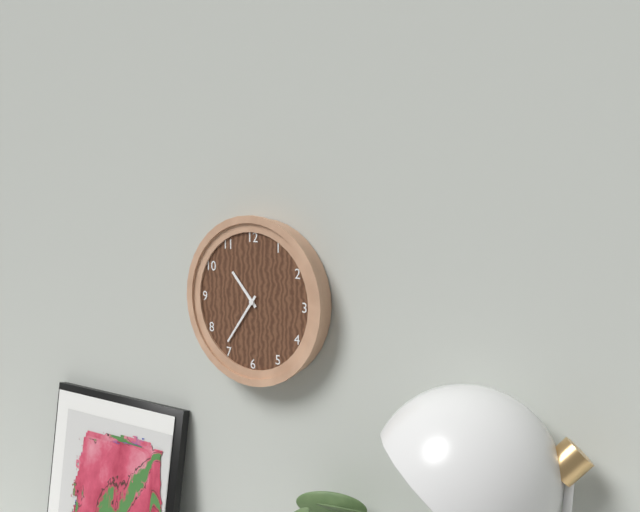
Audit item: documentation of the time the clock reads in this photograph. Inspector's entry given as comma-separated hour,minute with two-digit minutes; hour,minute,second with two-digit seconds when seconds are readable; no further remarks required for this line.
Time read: 10,36
